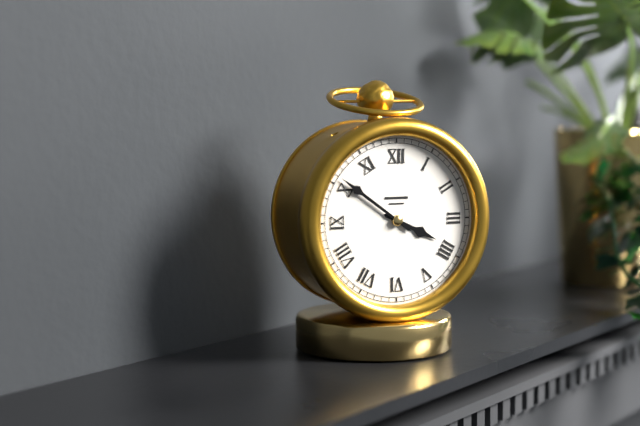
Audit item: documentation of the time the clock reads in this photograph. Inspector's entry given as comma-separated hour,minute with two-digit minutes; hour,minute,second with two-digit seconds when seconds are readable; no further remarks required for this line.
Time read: 3,51
